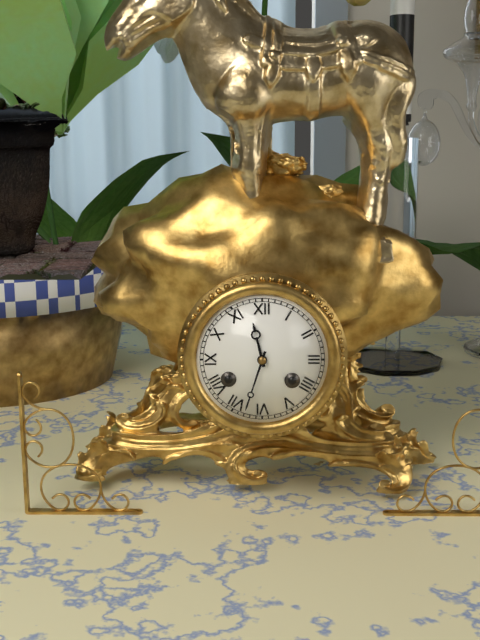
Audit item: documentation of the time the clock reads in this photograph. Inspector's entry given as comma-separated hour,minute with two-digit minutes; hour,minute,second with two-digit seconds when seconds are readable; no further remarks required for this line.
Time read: 11,33
